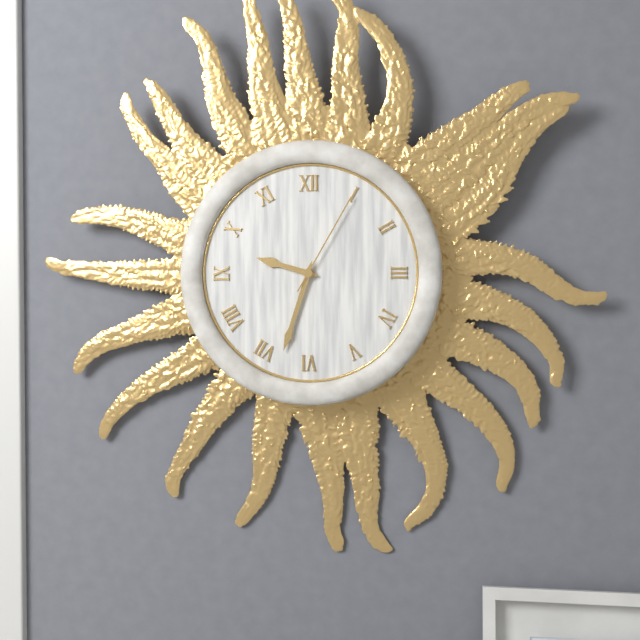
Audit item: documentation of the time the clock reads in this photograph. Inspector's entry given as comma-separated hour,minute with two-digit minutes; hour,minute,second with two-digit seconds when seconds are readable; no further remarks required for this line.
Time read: 9,33,05
